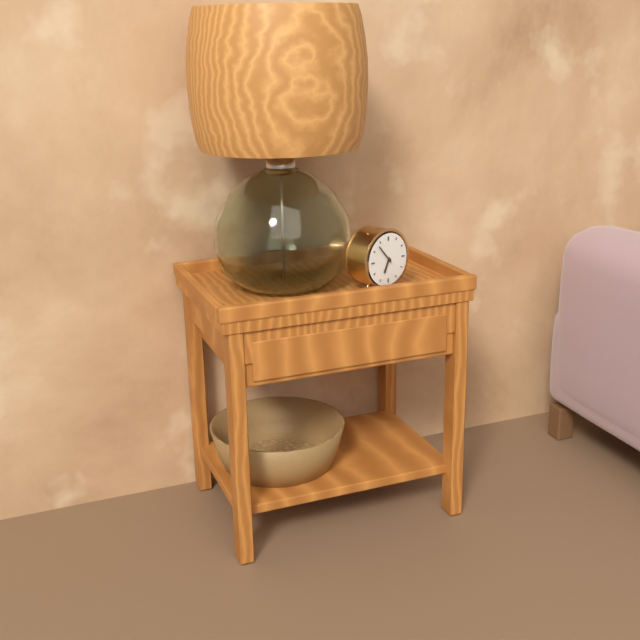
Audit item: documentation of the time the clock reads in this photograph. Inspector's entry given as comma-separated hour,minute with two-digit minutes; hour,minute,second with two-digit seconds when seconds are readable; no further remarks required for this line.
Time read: 6,53
